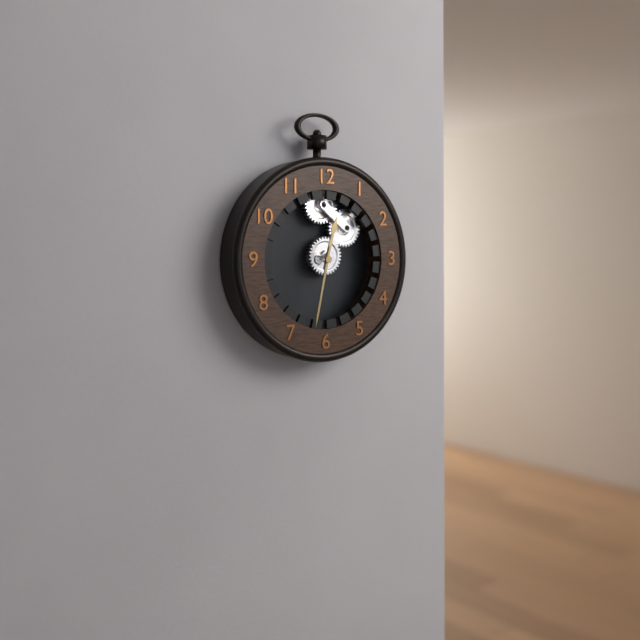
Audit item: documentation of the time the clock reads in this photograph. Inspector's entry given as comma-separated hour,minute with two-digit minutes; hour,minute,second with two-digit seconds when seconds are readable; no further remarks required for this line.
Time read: 12,32
